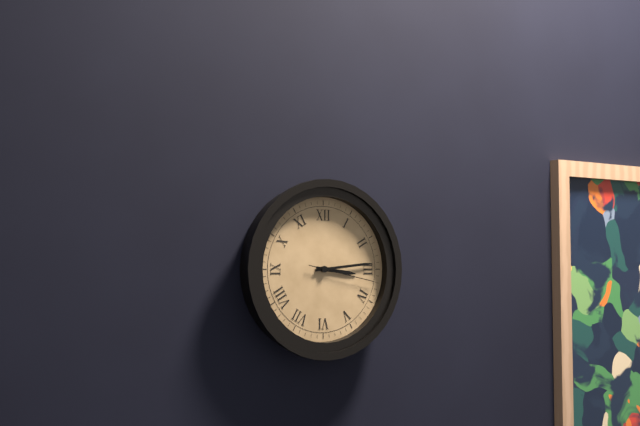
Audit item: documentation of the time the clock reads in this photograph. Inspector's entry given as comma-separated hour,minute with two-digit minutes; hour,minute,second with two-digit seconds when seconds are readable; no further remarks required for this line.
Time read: 3,14,17
